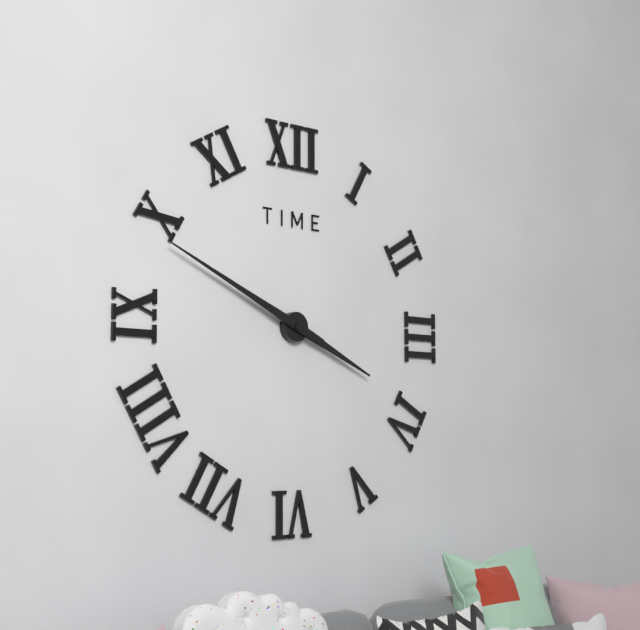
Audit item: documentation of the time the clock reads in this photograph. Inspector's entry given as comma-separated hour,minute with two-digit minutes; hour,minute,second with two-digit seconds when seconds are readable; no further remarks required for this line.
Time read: 3,49
